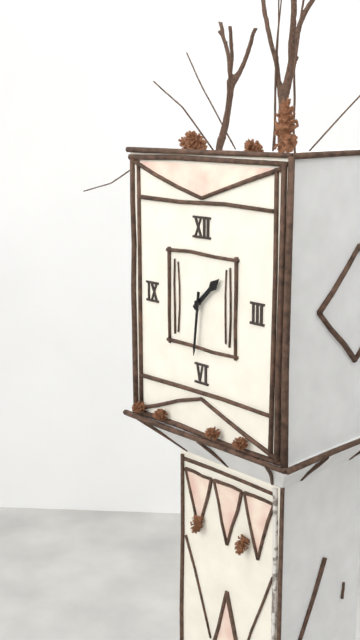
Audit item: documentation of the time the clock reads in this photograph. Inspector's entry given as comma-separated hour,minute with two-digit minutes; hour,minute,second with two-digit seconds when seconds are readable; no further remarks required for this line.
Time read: 1,31
